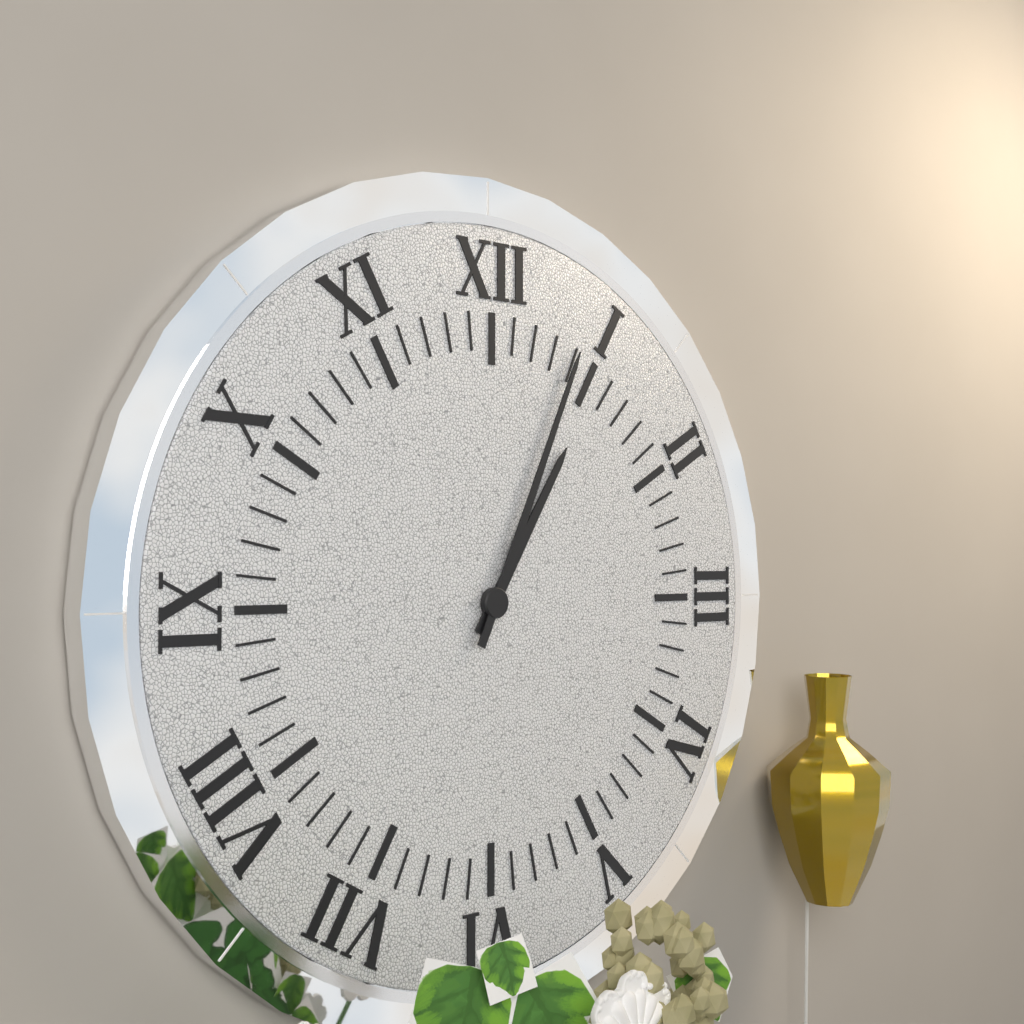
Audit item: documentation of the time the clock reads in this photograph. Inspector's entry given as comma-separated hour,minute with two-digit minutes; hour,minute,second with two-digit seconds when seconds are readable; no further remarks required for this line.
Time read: 1,04
